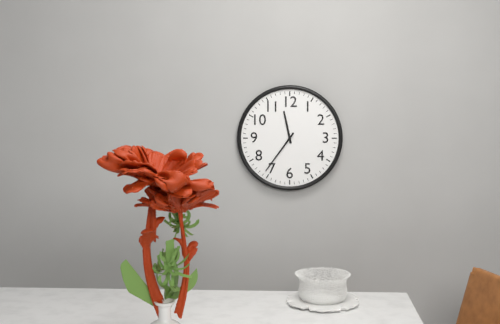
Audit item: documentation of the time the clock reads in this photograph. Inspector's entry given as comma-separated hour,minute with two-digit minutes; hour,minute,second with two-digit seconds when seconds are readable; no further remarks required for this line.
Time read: 11,36
